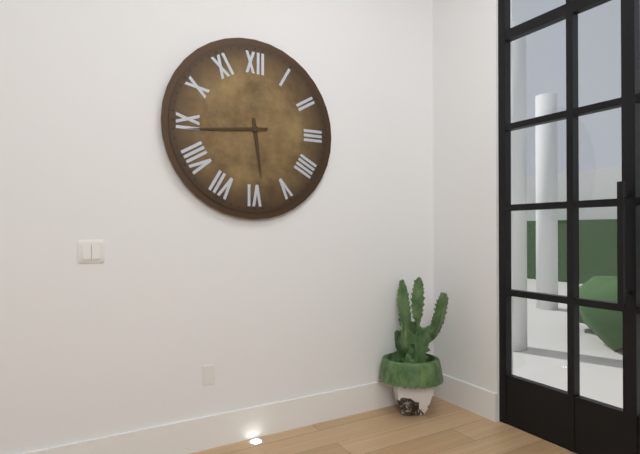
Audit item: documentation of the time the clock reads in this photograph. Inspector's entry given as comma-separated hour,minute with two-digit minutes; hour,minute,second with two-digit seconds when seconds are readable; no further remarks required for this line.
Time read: 5,44
